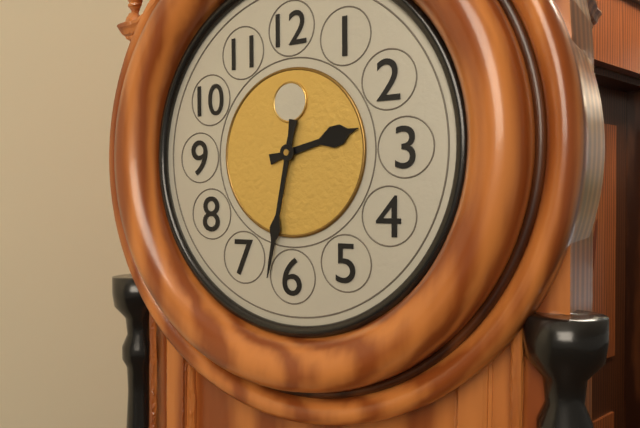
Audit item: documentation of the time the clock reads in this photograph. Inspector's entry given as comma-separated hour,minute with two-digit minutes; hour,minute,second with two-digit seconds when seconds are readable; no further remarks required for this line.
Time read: 2,32
